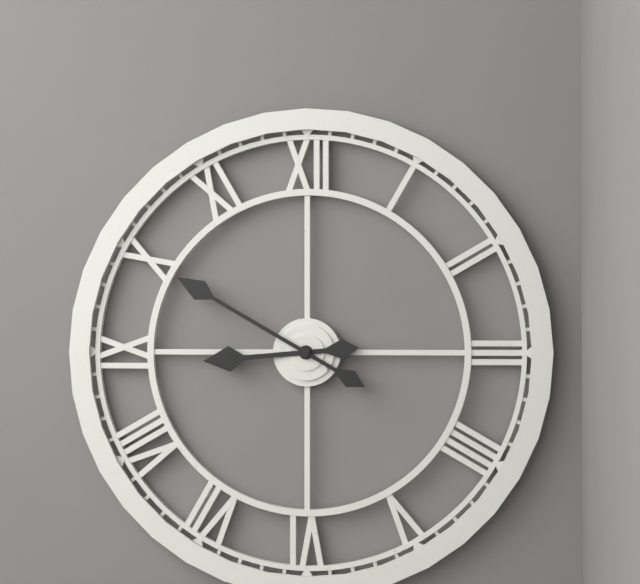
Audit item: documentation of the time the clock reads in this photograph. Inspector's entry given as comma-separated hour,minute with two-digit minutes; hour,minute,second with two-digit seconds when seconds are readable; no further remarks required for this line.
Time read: 8,50
